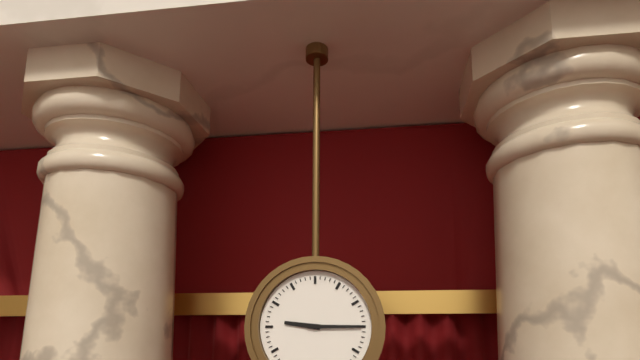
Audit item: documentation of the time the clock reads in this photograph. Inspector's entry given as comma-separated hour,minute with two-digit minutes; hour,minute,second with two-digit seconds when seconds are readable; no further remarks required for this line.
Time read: 9,15
